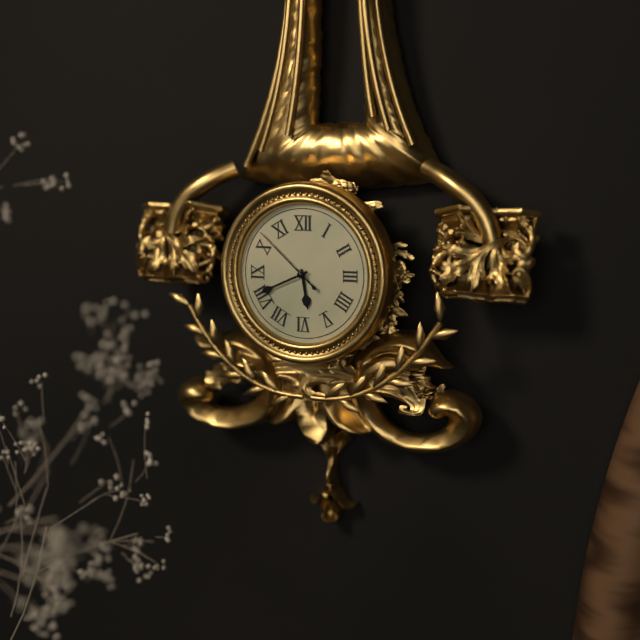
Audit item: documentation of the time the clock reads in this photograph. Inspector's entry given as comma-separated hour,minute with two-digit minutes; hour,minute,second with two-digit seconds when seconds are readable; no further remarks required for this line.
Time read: 5,41,52
